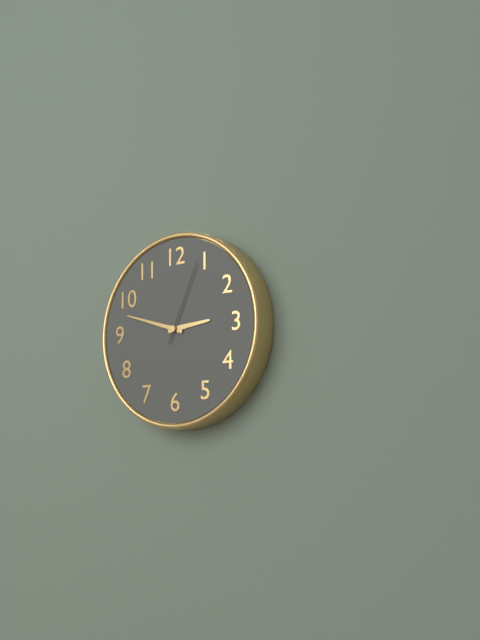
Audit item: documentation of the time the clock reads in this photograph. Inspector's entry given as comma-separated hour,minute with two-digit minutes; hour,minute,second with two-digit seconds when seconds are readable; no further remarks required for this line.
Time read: 2,48,04
